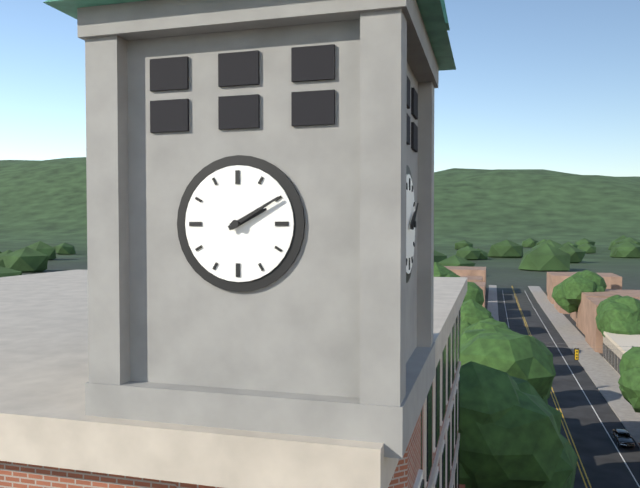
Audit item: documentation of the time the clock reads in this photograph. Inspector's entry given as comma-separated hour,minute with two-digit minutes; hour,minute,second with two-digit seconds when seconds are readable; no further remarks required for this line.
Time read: 2,10
